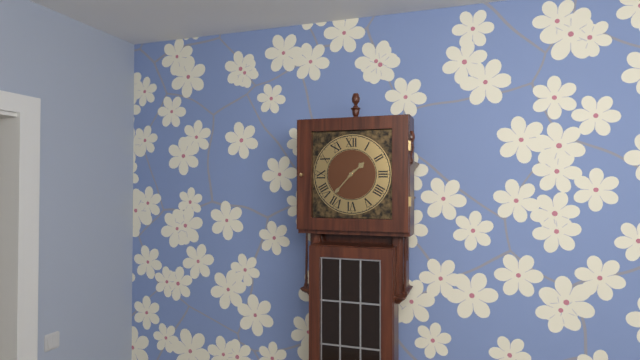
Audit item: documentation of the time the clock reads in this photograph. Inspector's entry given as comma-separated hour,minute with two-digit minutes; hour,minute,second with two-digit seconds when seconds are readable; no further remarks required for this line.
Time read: 1,37
